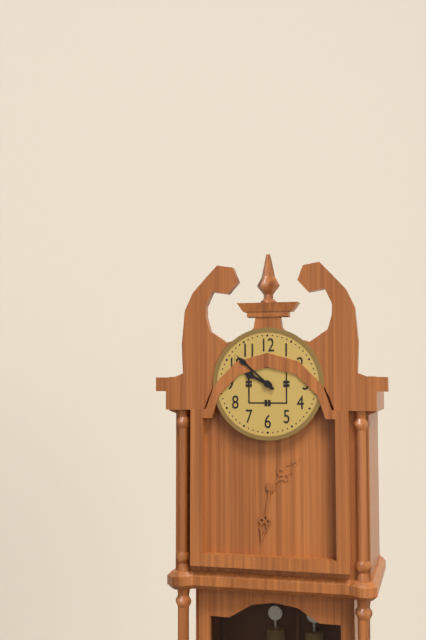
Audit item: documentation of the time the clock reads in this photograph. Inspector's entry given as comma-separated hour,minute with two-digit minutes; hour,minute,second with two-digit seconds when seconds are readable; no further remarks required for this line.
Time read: 9,52
